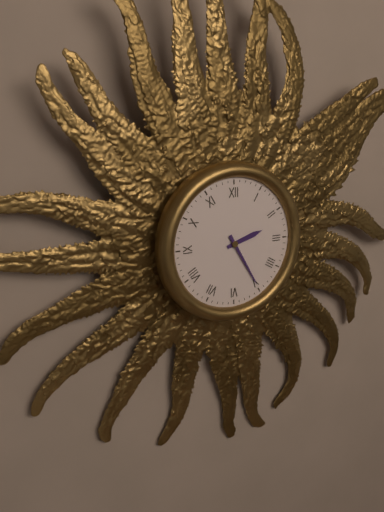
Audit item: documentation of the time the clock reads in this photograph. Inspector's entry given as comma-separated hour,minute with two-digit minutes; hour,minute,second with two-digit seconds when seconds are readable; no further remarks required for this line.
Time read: 2,25
